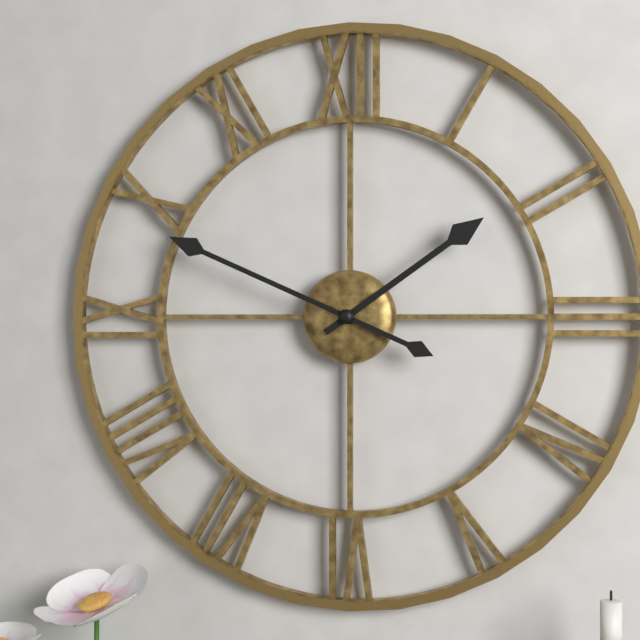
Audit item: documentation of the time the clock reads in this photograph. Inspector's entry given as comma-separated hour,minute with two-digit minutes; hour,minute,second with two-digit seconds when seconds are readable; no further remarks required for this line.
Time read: 1,49
